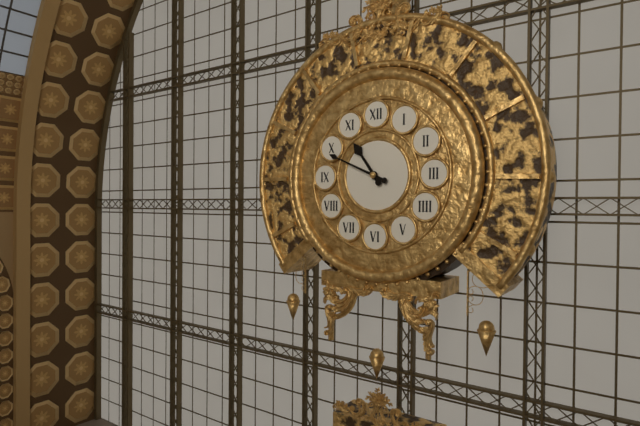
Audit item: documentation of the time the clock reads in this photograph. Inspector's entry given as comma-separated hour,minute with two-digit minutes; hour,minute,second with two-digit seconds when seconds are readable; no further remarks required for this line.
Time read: 10,49
